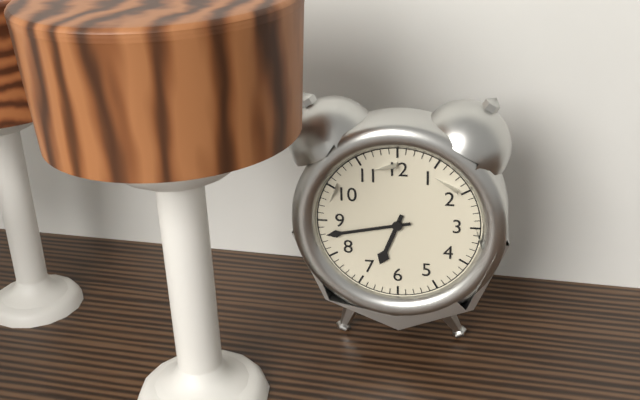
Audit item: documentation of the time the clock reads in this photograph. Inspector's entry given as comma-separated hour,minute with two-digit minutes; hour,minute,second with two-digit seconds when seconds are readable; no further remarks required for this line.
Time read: 6,43
